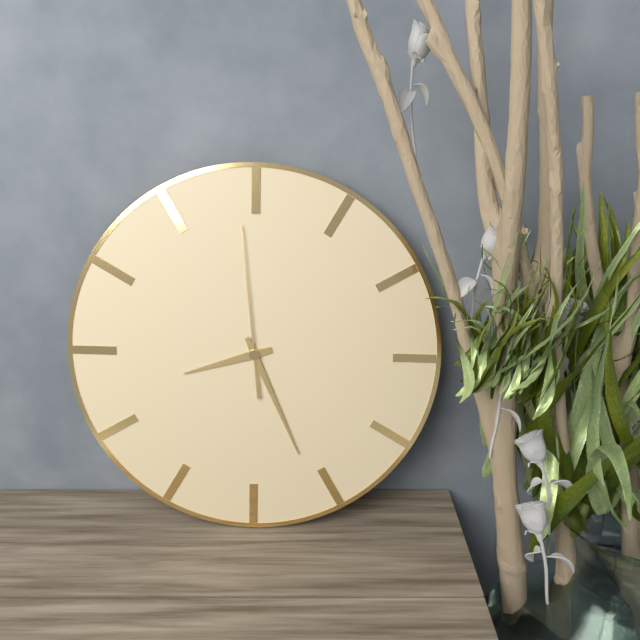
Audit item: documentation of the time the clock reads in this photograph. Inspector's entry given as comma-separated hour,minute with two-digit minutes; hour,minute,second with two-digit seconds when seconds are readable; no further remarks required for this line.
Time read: 8,26,59
